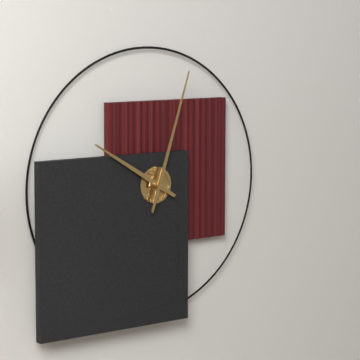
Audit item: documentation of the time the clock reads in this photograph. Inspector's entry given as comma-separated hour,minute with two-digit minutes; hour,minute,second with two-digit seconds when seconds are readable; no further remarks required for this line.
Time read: 10,03
